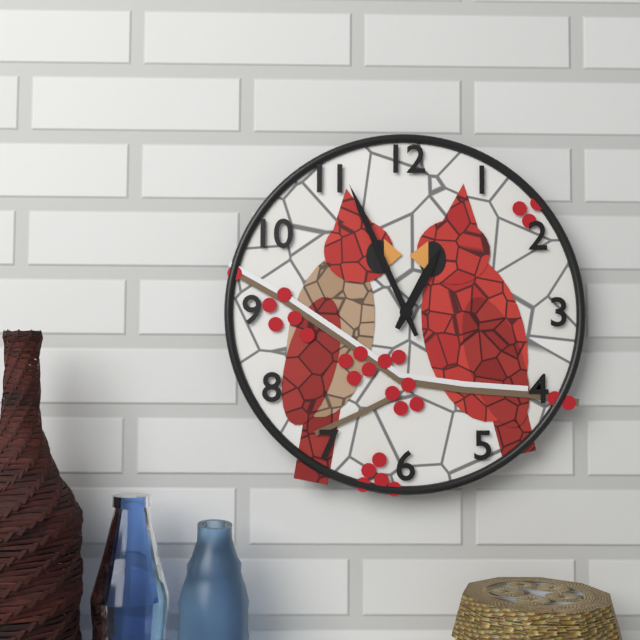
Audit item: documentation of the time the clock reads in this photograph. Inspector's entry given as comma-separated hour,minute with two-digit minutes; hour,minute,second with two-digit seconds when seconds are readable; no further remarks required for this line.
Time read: 12,56
